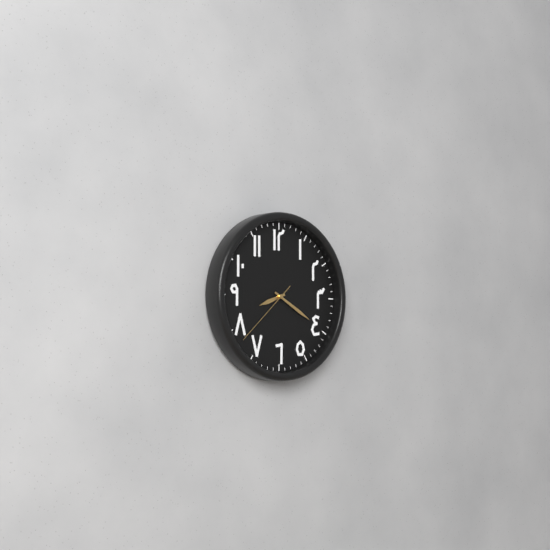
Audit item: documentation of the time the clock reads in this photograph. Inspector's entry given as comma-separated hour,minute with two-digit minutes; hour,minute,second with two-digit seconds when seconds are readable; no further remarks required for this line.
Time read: 8,20,38
